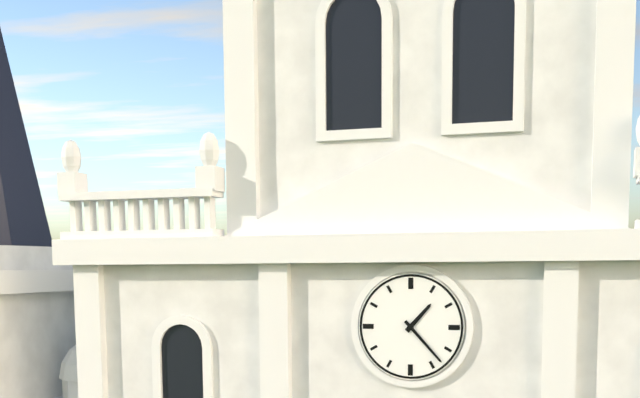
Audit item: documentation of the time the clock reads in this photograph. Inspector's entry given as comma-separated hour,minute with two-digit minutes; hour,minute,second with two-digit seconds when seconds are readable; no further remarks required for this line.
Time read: 1,23
